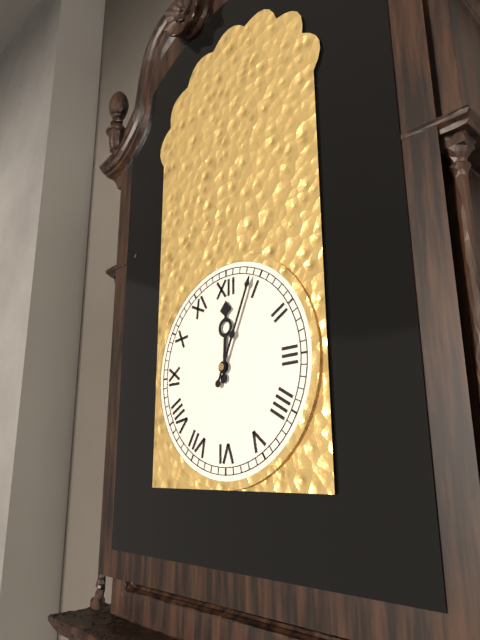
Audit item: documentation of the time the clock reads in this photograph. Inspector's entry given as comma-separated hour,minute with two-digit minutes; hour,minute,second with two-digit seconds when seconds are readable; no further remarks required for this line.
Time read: 12,04
